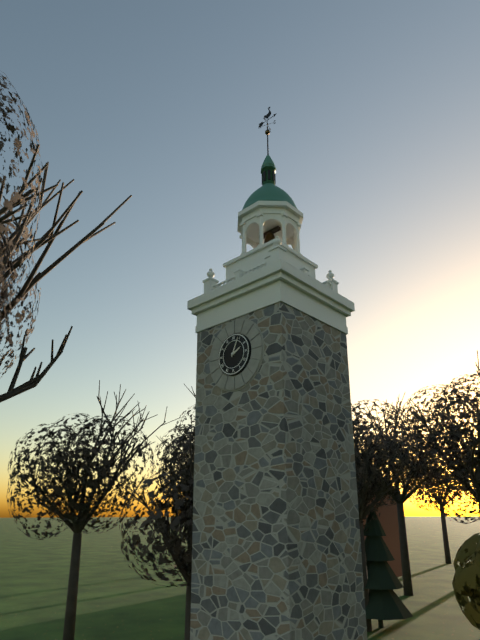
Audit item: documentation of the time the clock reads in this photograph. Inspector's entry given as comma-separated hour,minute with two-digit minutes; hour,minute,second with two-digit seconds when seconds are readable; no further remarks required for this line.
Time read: 2,04
